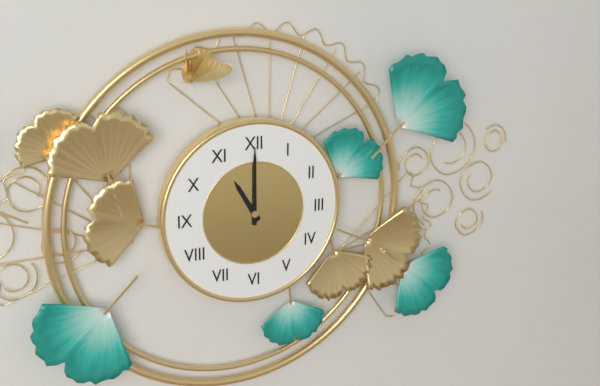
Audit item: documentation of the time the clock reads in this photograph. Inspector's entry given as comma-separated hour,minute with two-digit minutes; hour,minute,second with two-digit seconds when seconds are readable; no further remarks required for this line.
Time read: 11,00
